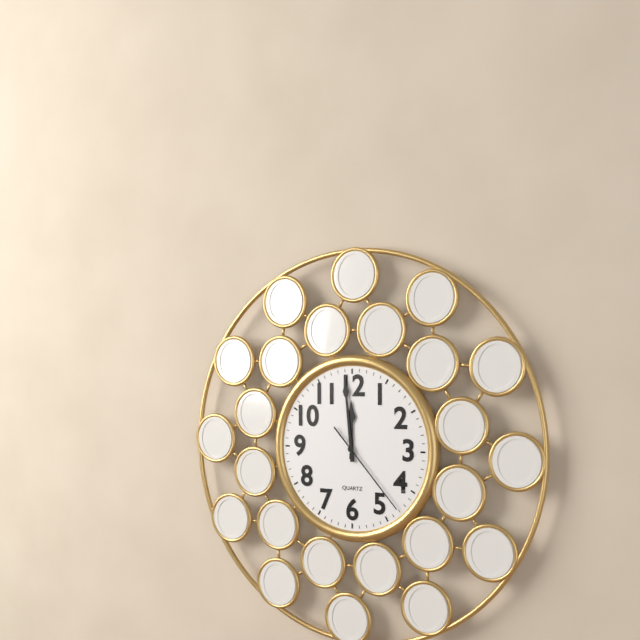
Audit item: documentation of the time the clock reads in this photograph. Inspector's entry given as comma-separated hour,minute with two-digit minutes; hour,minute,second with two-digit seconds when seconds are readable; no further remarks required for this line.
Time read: 11,59,23
